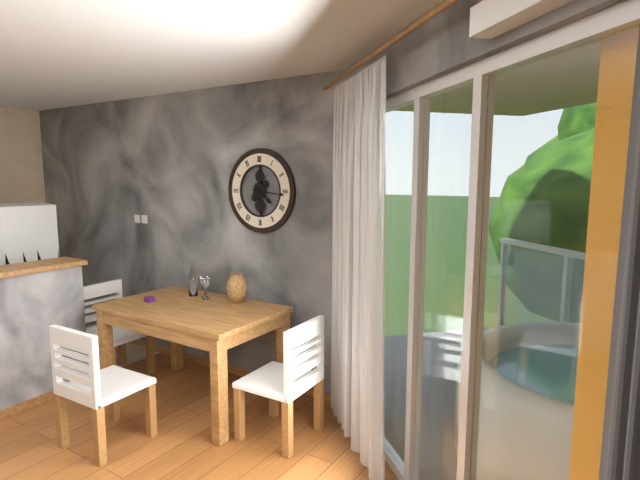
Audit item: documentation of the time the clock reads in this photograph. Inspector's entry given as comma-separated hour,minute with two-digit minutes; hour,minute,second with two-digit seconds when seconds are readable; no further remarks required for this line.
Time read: 4,16
